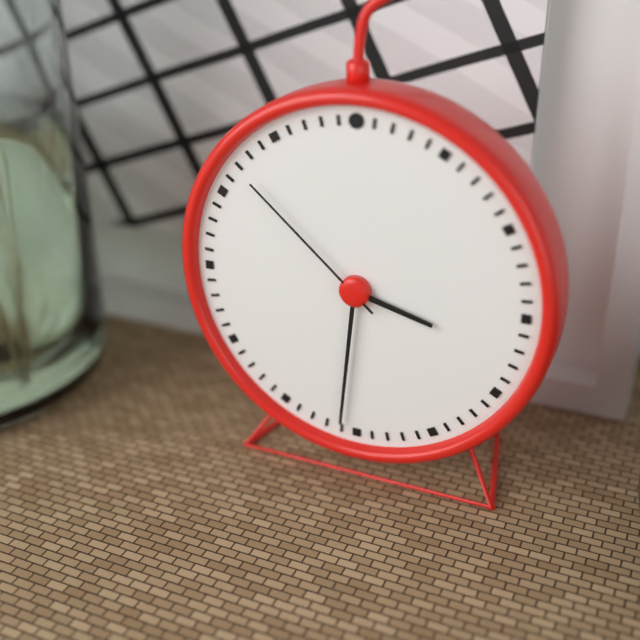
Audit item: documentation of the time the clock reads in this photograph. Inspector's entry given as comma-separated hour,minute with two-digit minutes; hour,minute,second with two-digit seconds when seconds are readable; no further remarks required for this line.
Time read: 3,31,52
